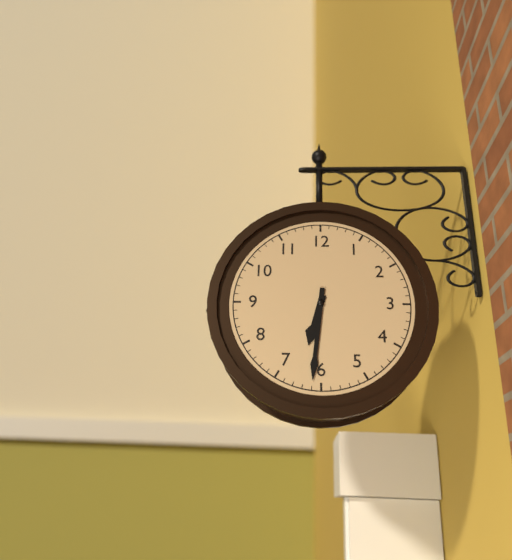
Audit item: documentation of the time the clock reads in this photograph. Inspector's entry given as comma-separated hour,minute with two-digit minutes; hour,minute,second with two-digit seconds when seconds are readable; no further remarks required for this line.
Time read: 6,31
